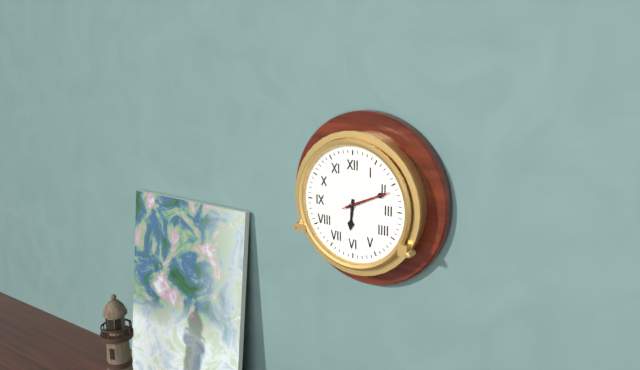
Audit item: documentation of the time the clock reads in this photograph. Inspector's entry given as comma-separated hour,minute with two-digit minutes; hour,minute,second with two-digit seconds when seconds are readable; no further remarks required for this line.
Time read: 6,11
